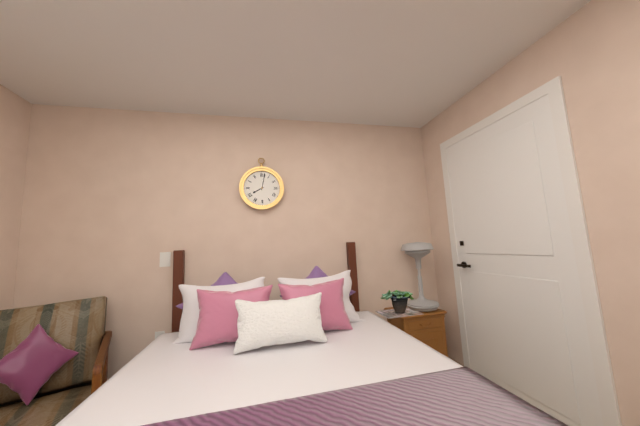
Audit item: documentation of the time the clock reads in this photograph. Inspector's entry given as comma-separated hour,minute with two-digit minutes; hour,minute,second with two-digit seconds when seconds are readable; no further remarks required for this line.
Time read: 8,02
